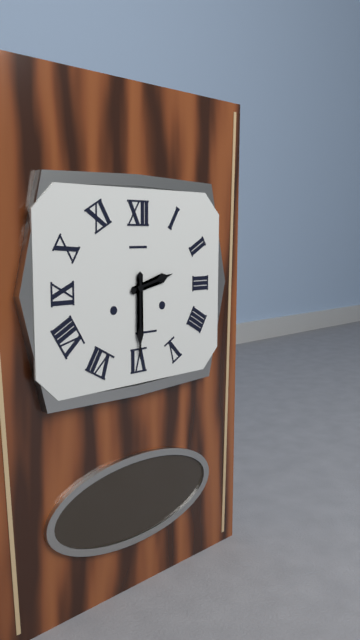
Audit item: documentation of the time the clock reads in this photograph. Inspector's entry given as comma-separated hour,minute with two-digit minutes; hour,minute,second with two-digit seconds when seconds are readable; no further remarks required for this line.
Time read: 2,30
